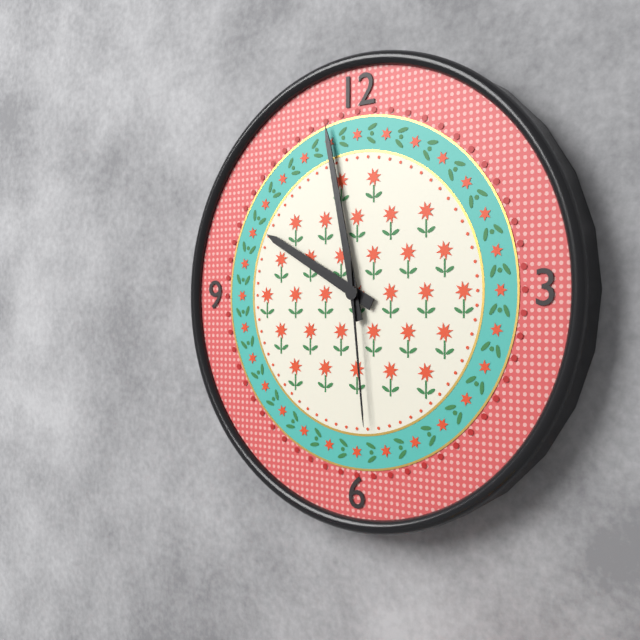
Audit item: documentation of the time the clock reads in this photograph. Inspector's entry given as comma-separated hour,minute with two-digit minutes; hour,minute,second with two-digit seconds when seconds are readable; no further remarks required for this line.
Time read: 9,58,29
